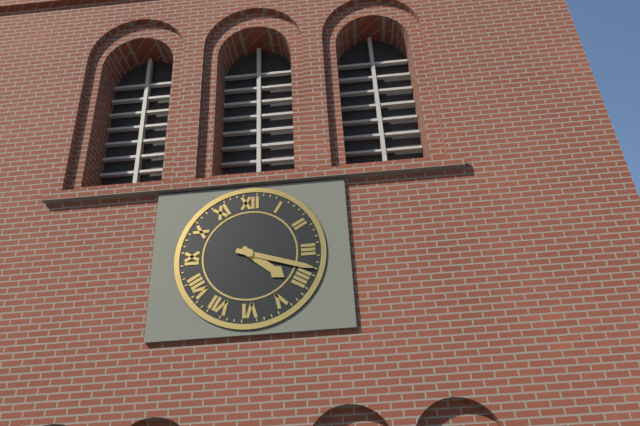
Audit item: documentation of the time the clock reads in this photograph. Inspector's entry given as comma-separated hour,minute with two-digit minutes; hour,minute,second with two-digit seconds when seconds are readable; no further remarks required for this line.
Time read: 4,18
